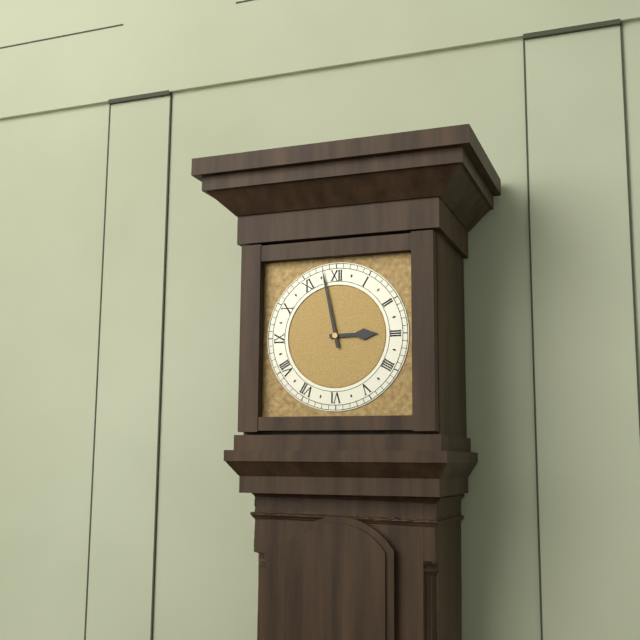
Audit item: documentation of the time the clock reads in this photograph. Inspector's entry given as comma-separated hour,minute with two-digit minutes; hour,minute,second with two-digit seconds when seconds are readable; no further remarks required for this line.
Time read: 2,58
